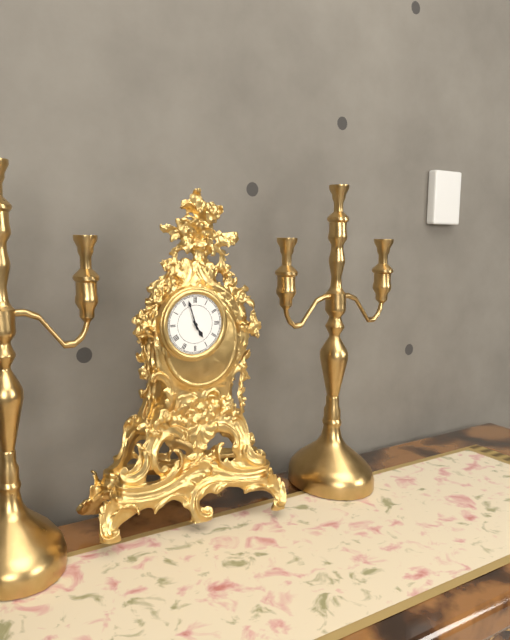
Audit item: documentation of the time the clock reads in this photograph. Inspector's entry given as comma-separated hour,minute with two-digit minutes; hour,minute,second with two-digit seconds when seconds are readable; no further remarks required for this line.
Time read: 4,57
